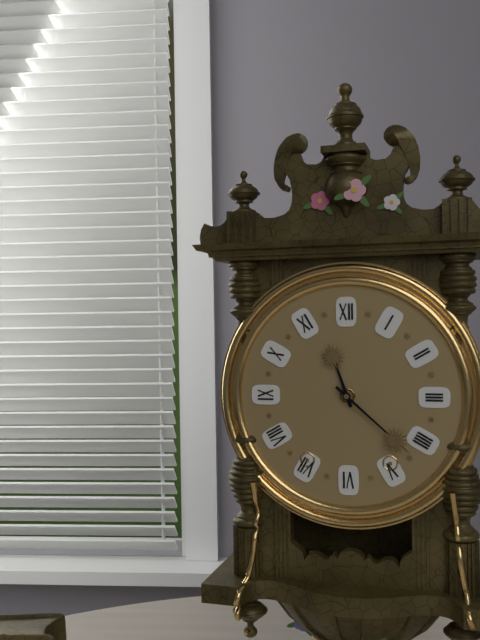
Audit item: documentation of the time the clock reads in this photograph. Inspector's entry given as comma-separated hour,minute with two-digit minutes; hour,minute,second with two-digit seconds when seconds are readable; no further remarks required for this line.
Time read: 11,22
